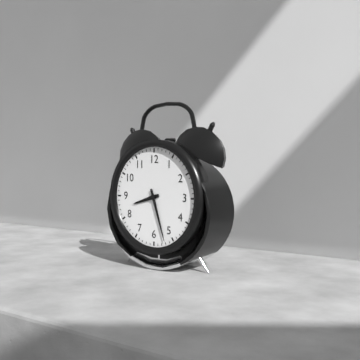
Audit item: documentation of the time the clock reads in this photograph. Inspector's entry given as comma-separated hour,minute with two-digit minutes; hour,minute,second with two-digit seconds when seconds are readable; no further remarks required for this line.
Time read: 8,27
